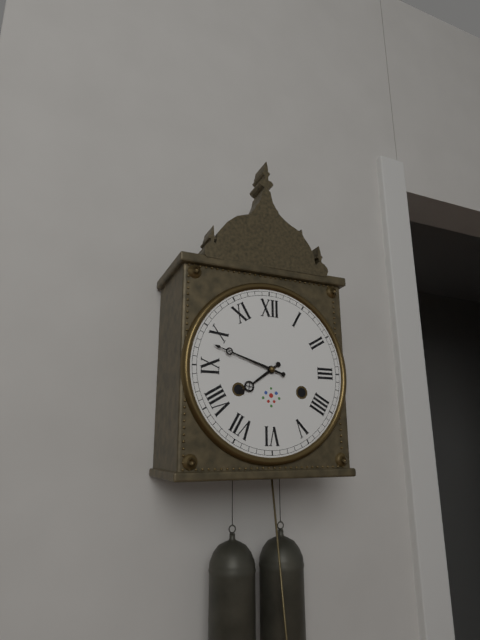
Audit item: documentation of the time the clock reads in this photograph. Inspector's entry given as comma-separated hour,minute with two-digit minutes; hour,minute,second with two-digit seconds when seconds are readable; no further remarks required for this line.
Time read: 7,48
